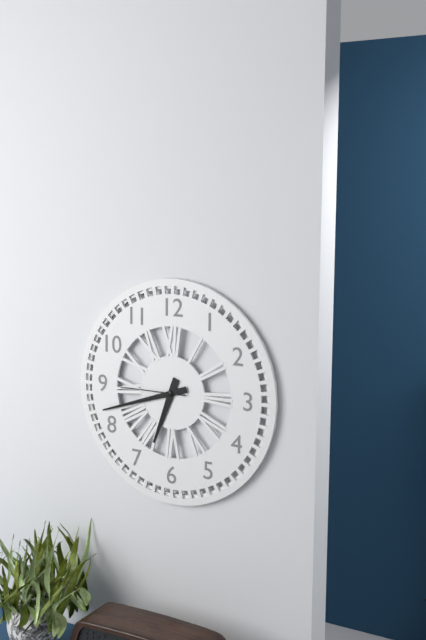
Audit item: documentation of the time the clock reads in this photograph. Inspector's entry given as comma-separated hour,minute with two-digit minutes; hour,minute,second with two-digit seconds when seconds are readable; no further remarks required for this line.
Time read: 6,42,45
